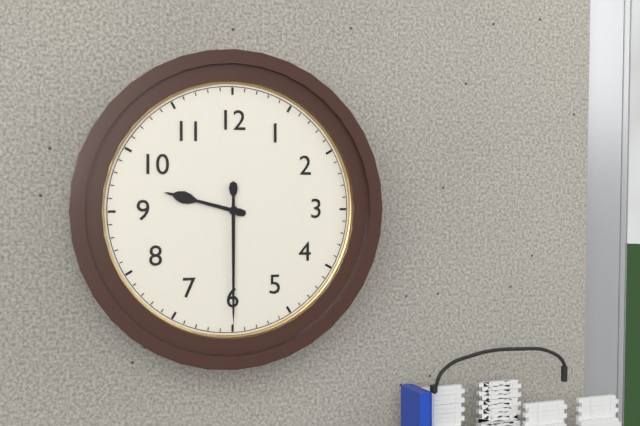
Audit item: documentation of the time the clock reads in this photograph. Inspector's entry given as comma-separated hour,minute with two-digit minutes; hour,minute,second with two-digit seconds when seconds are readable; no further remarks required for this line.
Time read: 9,30
